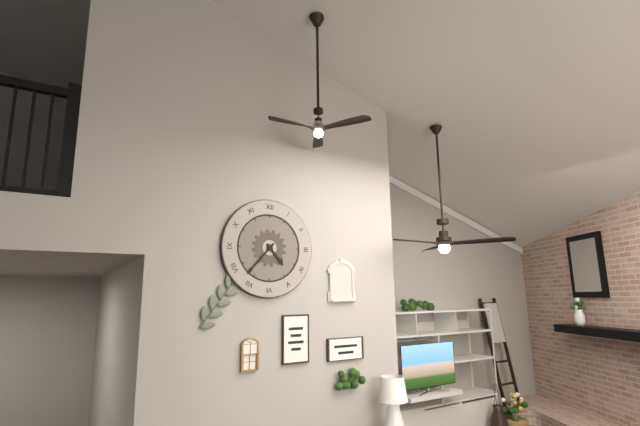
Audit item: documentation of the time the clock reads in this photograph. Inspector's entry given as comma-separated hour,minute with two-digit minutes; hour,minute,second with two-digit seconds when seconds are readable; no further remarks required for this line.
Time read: 4,37
